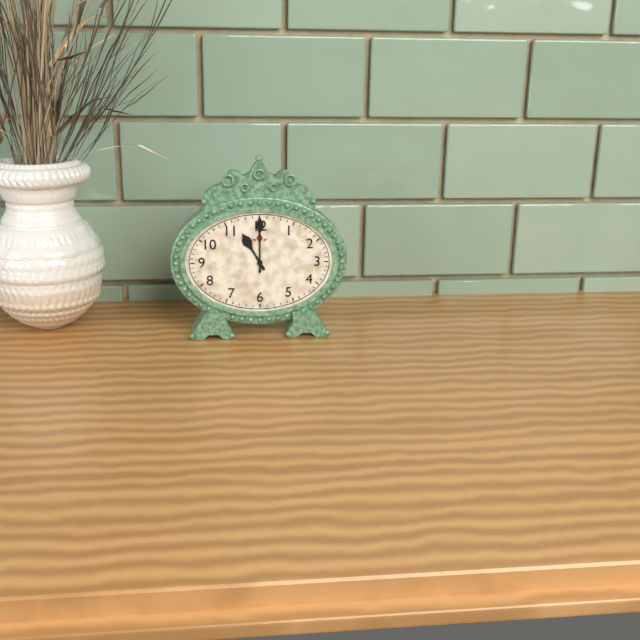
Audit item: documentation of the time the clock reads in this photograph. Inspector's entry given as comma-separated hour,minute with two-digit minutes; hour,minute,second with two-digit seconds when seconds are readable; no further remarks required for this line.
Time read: 11,00
